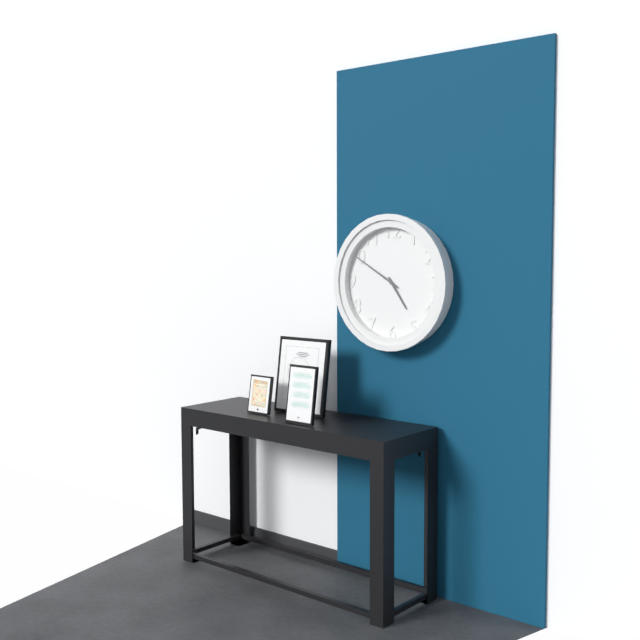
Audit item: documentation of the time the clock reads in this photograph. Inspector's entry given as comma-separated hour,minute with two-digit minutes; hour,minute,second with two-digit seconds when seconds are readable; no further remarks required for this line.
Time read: 4,50
